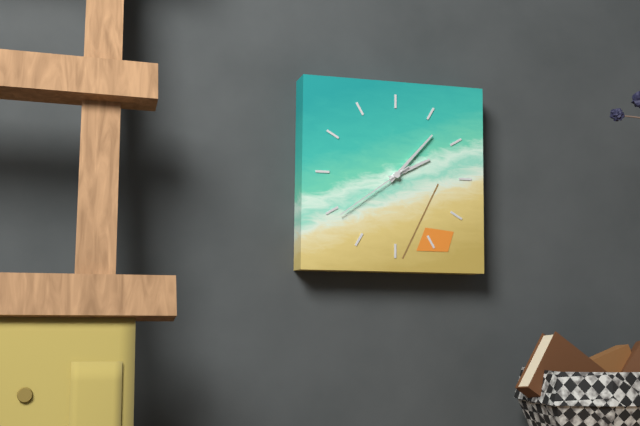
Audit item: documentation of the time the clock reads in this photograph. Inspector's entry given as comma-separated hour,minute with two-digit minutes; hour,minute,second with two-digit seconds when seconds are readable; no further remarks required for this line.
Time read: 2,07,39
